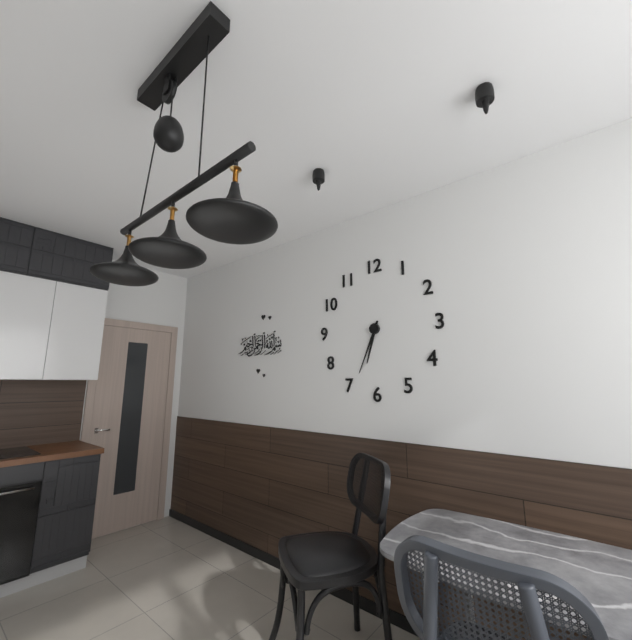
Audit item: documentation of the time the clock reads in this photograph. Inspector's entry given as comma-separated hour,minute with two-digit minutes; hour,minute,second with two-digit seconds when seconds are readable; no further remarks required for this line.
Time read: 6,34
